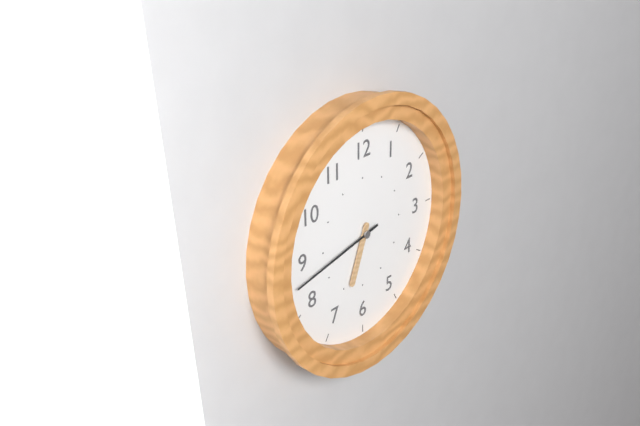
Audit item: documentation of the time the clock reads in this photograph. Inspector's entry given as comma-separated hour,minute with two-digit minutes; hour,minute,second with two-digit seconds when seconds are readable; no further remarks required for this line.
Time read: 6,43
